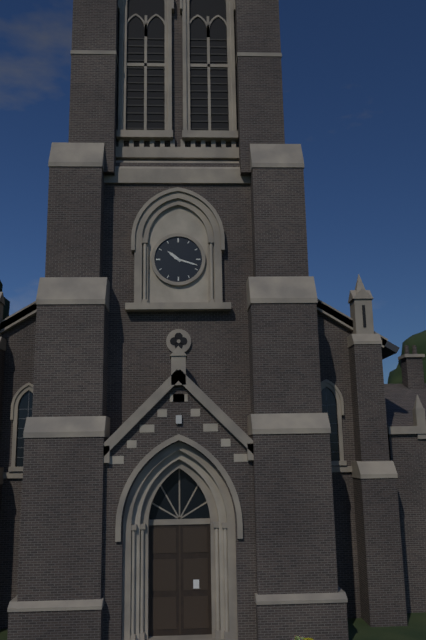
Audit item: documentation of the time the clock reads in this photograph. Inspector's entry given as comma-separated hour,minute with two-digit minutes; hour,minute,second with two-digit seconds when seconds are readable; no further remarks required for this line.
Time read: 10,18
